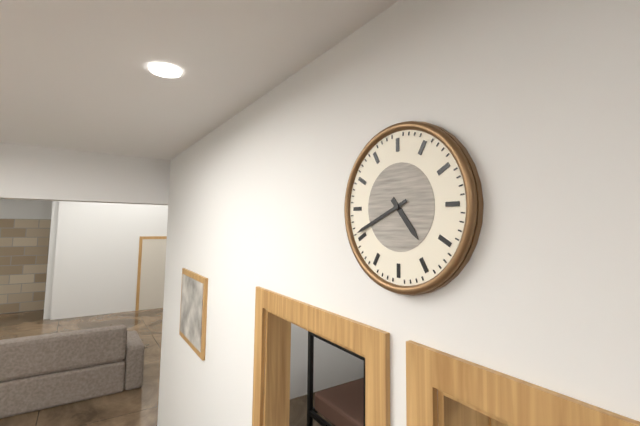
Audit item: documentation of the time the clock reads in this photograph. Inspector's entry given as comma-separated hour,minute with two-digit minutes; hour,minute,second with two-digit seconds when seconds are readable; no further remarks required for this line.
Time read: 4,41
